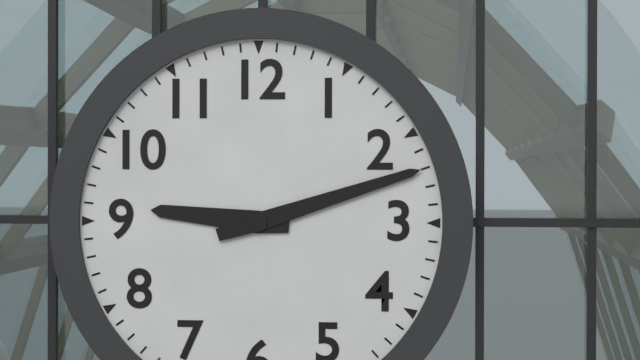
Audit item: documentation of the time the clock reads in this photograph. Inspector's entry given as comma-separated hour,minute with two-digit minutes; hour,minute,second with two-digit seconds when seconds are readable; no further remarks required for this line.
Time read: 9,12
